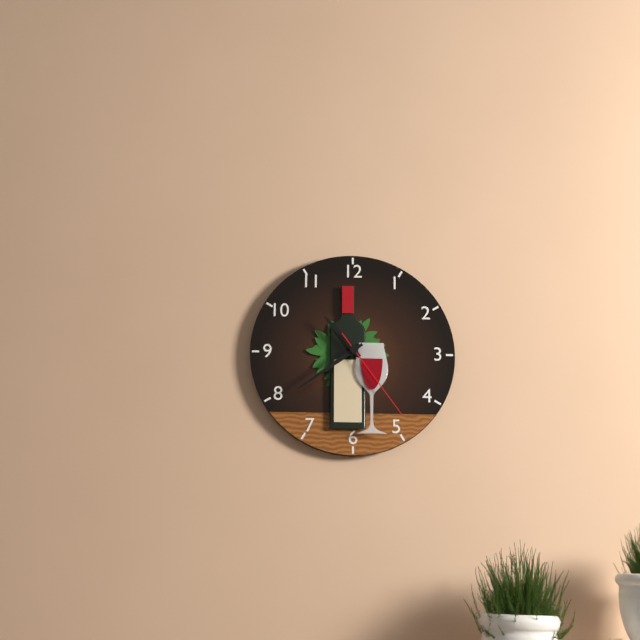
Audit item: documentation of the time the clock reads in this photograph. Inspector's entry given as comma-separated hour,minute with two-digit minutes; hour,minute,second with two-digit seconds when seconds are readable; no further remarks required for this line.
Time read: 10,39,24
